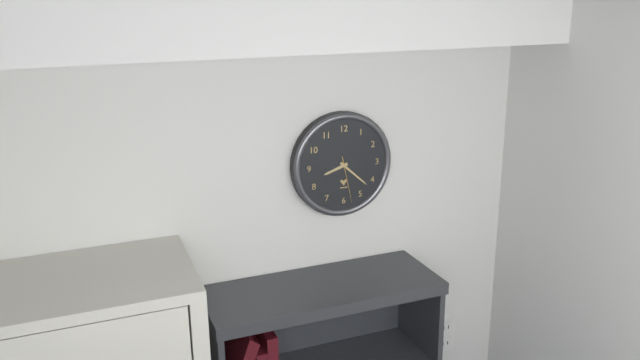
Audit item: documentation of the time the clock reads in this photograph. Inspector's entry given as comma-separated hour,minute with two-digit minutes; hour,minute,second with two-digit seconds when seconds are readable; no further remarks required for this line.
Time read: 8,22
